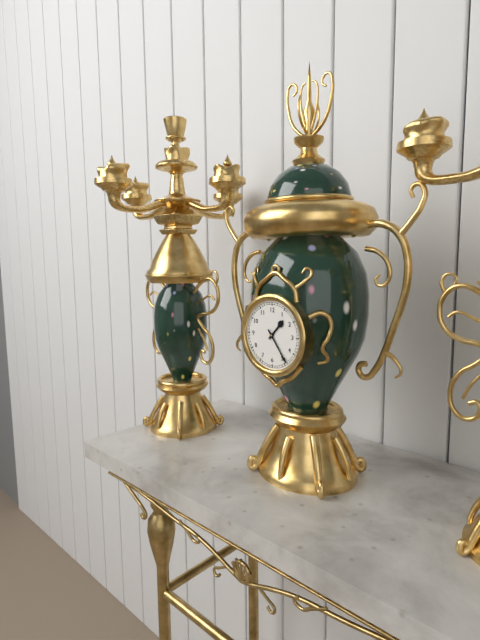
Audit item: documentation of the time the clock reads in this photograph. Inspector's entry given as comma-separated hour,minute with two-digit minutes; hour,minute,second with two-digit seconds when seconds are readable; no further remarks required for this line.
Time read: 1,24
